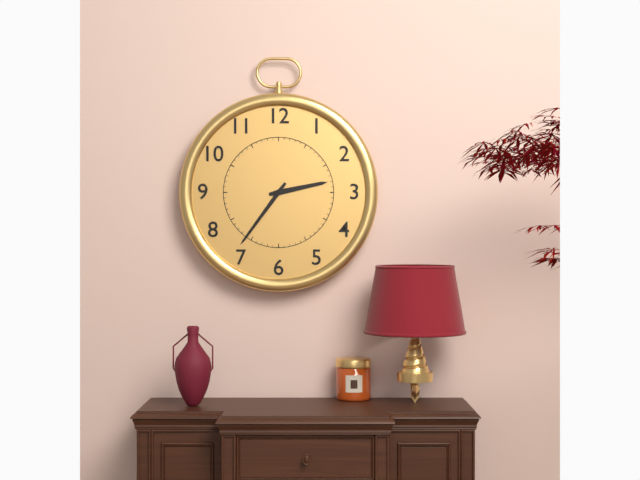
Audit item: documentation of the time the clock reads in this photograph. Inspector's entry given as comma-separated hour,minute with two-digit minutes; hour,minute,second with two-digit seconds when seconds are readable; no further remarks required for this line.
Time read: 2,36
